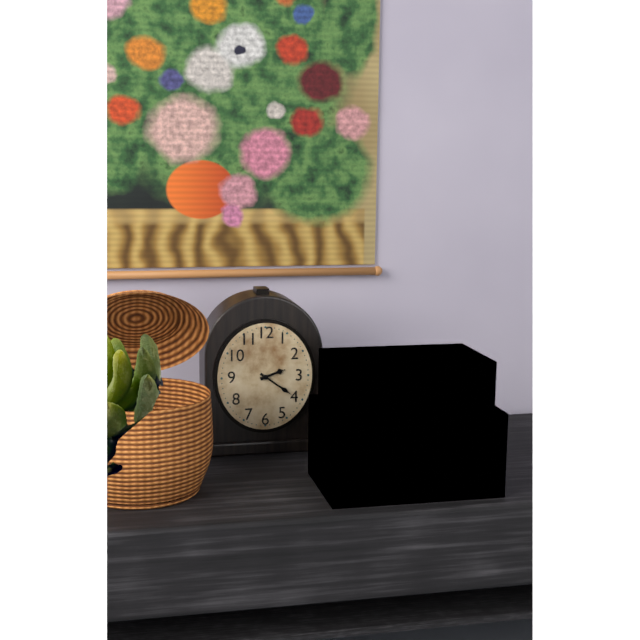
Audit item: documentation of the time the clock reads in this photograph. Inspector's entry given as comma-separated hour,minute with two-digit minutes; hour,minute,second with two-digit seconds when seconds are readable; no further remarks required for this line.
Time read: 2,21
